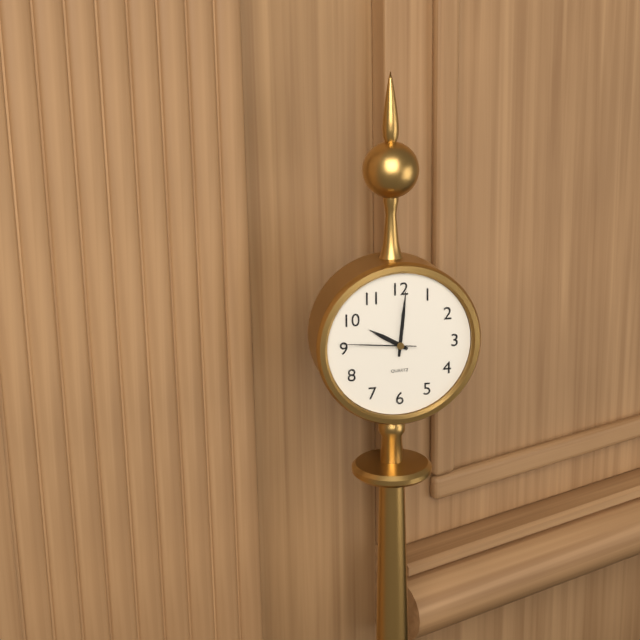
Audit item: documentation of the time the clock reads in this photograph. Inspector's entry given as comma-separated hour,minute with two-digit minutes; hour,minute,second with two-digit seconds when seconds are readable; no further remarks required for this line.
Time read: 10,01,46
